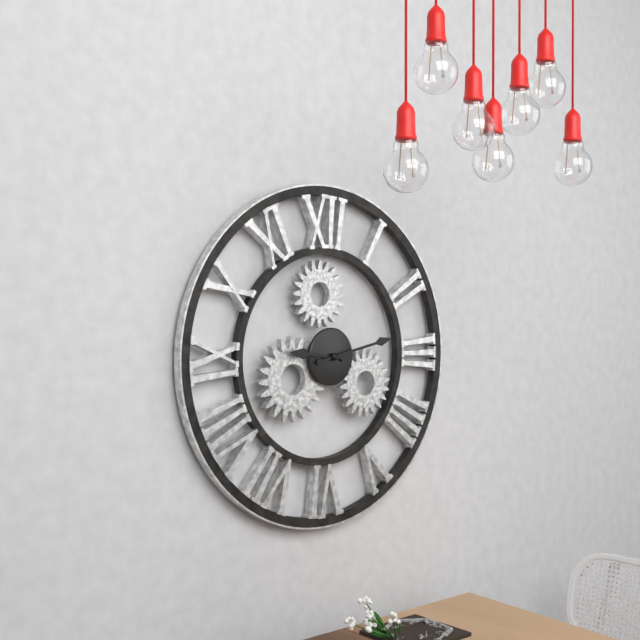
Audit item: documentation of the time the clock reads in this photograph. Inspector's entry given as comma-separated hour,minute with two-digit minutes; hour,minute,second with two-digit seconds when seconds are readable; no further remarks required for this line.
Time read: 9,13
